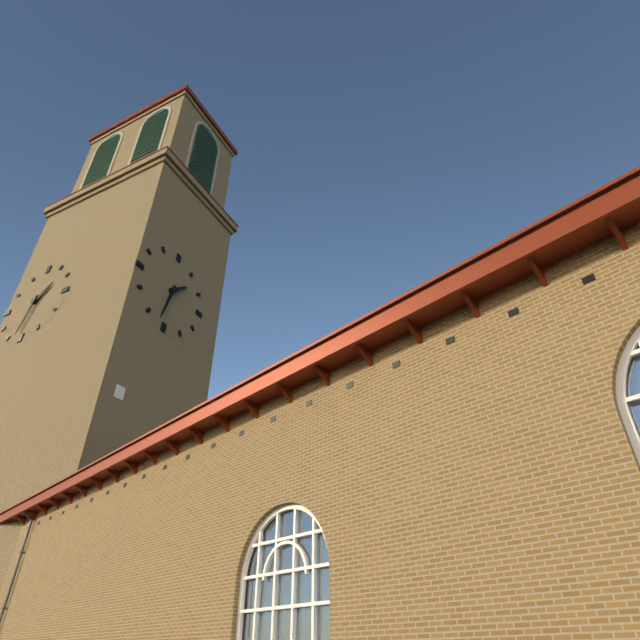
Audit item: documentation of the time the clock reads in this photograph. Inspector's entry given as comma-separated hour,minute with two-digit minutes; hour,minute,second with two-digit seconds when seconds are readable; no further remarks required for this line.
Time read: 1,32
